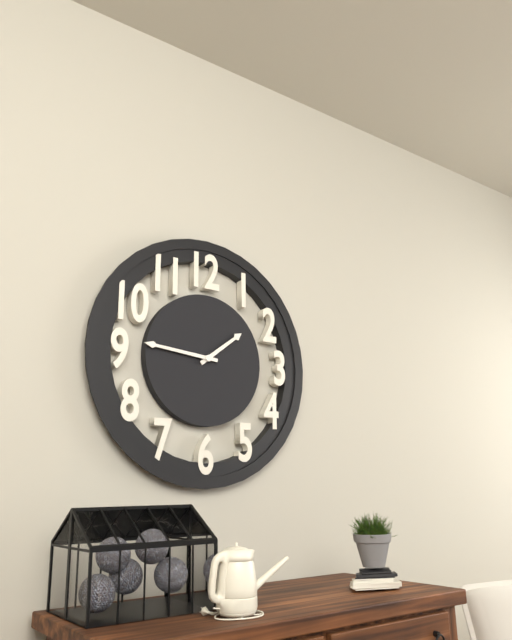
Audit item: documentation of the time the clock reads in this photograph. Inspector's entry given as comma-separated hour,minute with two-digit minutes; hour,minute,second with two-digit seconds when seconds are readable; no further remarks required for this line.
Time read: 1,46
